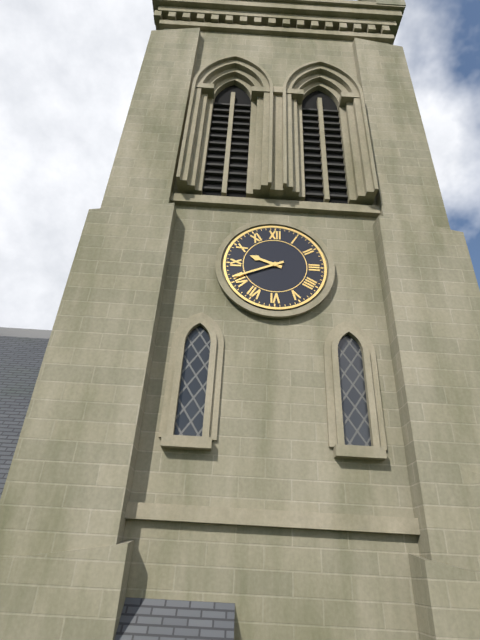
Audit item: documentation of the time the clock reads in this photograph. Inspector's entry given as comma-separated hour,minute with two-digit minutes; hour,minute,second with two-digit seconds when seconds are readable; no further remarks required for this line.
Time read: 9,41
